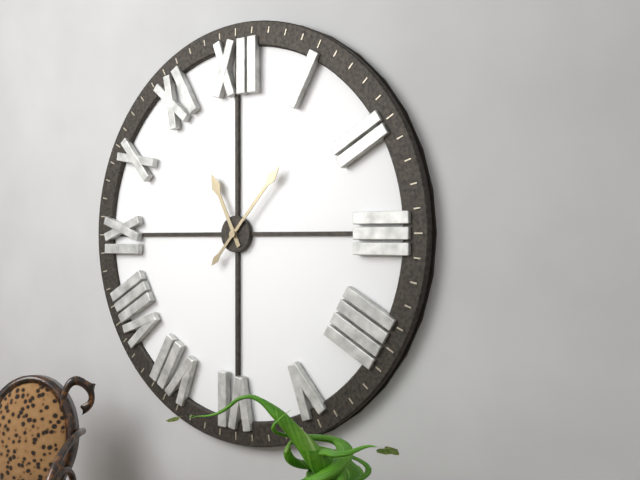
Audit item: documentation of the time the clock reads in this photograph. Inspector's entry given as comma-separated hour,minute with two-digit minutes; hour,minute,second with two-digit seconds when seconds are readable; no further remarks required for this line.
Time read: 11,07
